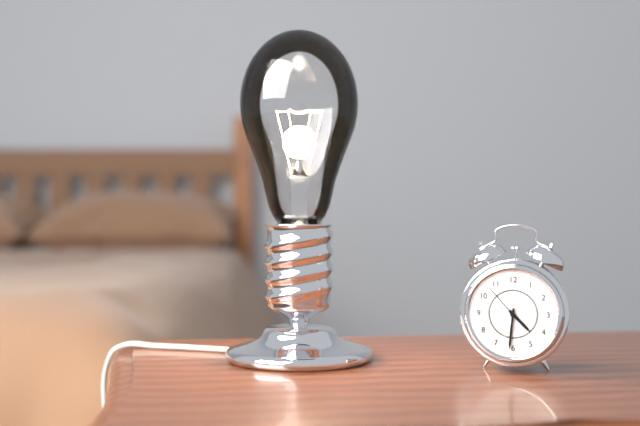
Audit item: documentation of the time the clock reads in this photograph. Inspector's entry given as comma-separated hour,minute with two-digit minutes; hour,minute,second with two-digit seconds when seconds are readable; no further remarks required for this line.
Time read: 4,31
